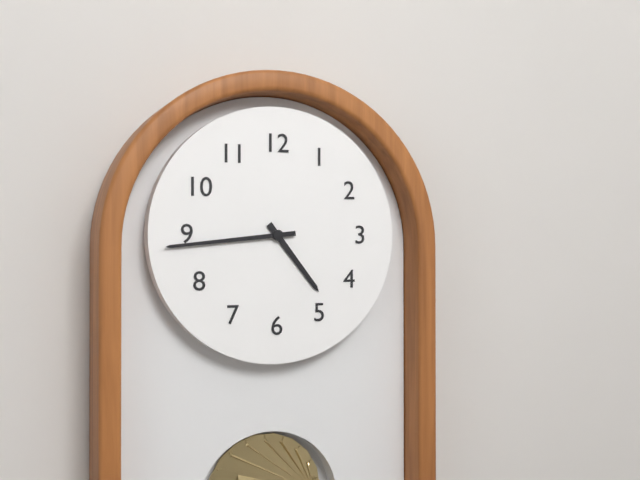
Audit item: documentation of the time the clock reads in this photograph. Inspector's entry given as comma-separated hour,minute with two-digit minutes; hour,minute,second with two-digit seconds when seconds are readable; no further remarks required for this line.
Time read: 4,44
